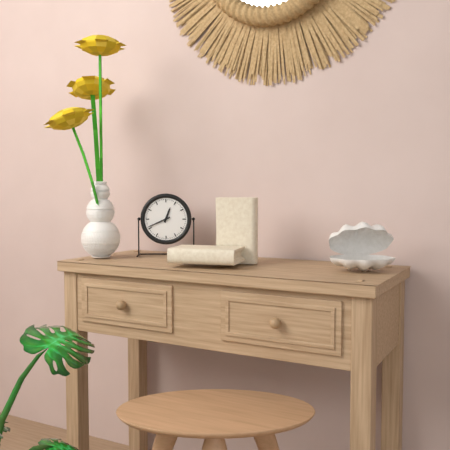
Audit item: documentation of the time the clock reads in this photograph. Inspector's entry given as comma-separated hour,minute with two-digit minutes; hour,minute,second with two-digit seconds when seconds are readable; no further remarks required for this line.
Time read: 12,41
